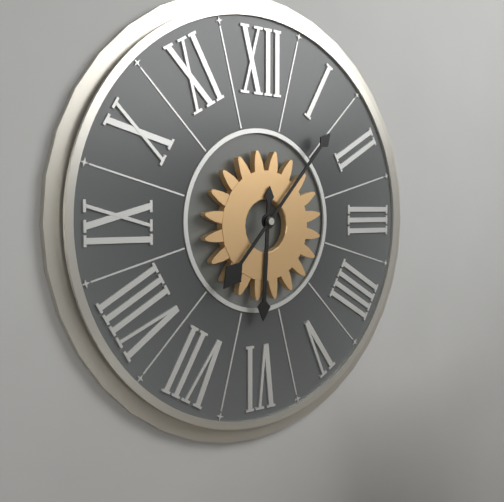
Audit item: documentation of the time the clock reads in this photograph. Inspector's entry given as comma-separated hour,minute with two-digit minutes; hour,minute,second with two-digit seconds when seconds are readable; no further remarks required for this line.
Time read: 6,07
